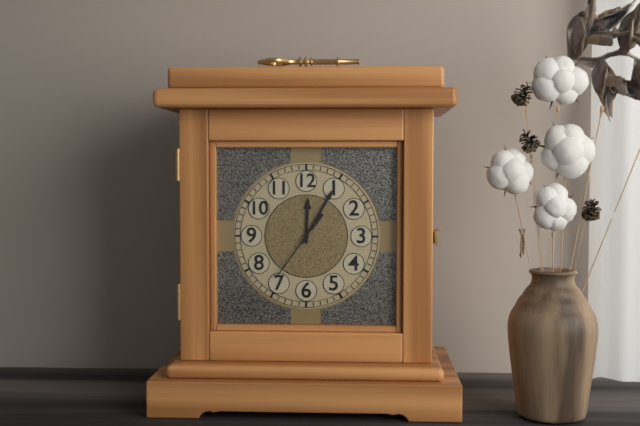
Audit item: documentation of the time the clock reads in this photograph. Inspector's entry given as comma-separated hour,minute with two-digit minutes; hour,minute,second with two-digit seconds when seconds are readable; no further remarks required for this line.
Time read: 12,05,36
